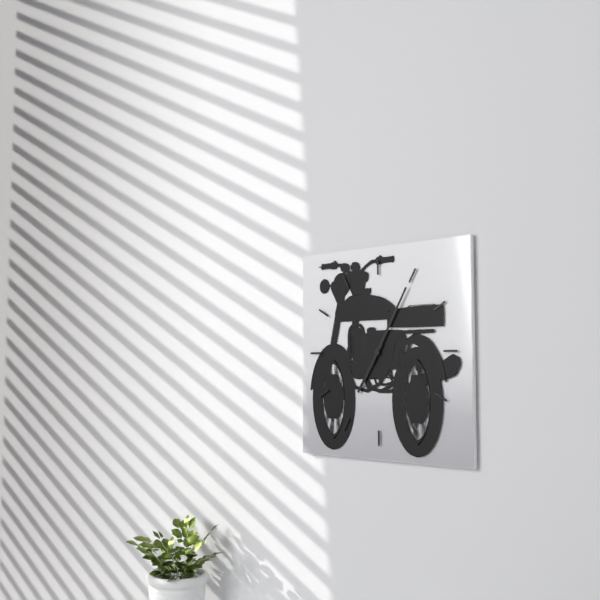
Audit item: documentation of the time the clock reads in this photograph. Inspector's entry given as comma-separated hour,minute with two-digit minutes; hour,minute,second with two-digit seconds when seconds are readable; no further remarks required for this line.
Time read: 7,05
